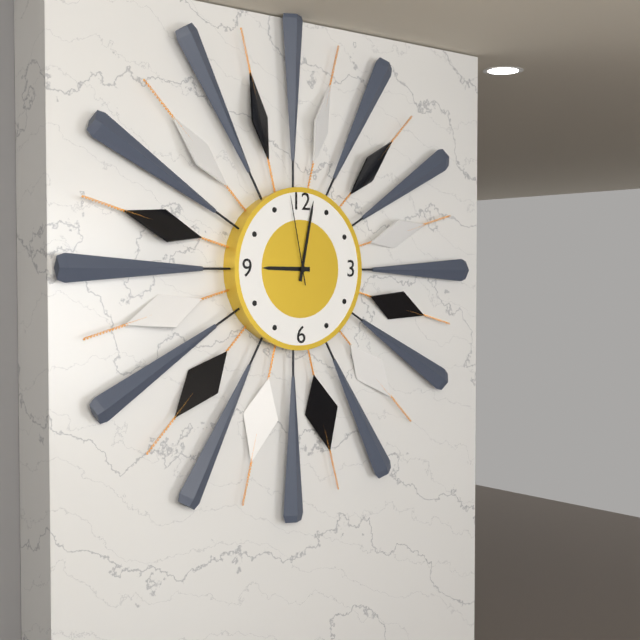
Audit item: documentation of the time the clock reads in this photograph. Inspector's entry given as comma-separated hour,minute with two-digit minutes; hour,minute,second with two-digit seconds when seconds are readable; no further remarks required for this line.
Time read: 9,02,58
